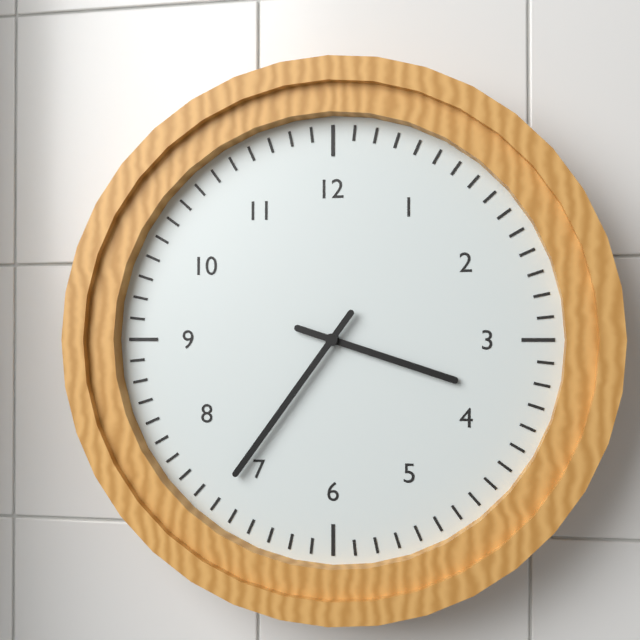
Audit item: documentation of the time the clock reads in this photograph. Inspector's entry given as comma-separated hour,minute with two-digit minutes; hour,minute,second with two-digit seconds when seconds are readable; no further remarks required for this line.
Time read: 3,36
